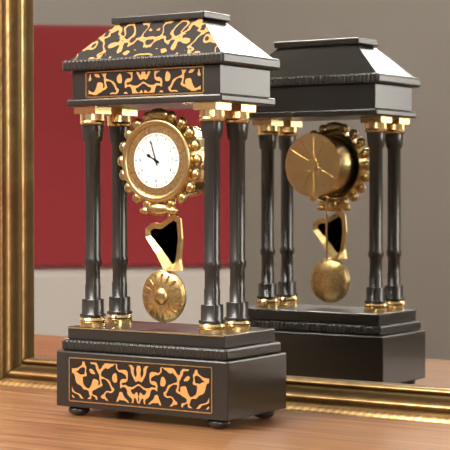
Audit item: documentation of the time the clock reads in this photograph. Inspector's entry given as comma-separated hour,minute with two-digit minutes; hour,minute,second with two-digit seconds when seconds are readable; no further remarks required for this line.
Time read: 9,57
